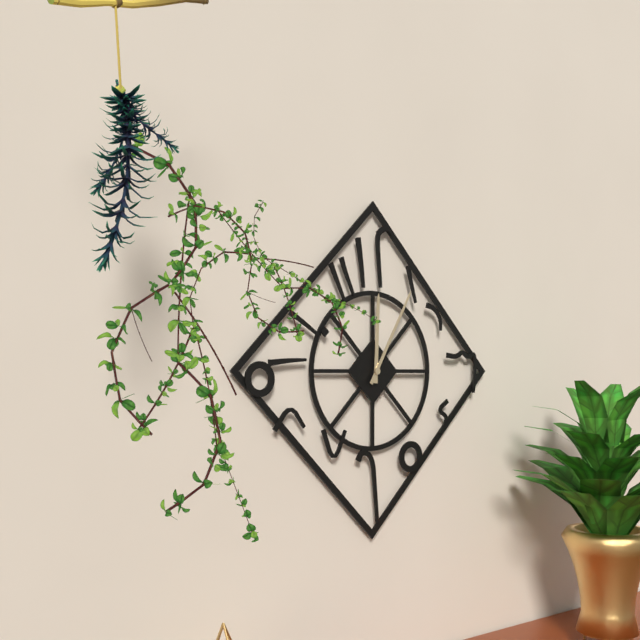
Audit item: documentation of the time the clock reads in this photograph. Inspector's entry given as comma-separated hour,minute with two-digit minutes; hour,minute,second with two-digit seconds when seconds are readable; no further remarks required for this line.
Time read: 12,05
